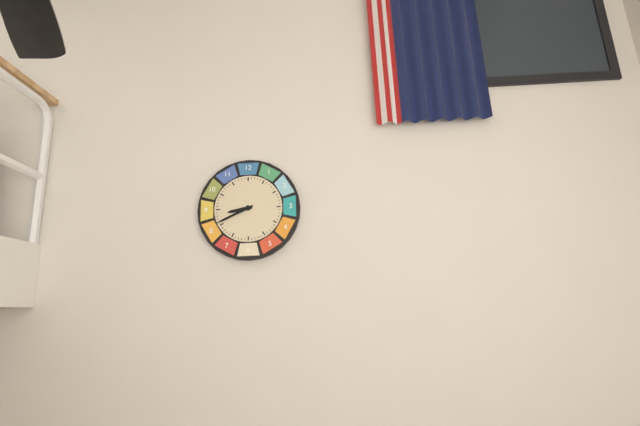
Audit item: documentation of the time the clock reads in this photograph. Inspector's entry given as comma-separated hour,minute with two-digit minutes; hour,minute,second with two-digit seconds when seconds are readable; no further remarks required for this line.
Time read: 8,41
